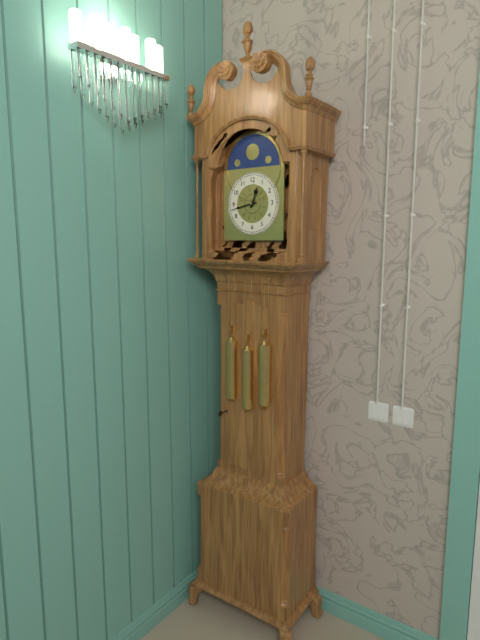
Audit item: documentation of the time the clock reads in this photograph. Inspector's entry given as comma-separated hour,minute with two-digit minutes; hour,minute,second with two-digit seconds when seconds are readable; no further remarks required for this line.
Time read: 12,43
